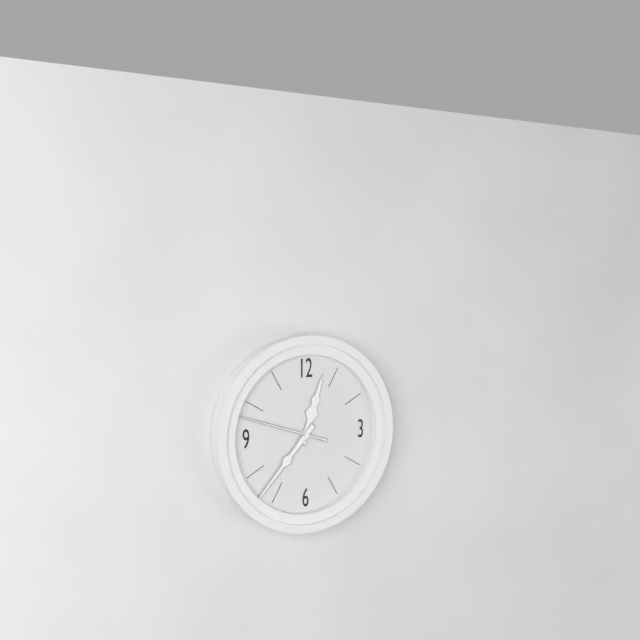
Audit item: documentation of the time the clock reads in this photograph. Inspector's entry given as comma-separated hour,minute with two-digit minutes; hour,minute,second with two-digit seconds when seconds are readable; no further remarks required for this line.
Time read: 12,37,48
